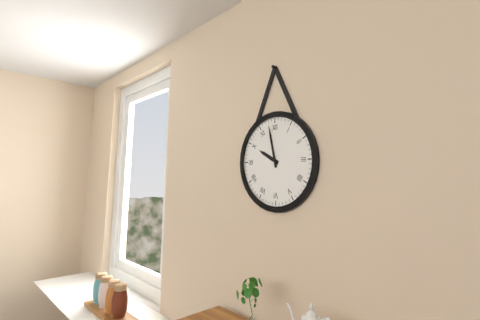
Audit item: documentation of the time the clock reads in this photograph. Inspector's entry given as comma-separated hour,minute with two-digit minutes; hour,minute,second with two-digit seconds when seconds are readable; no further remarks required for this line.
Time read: 9,58
